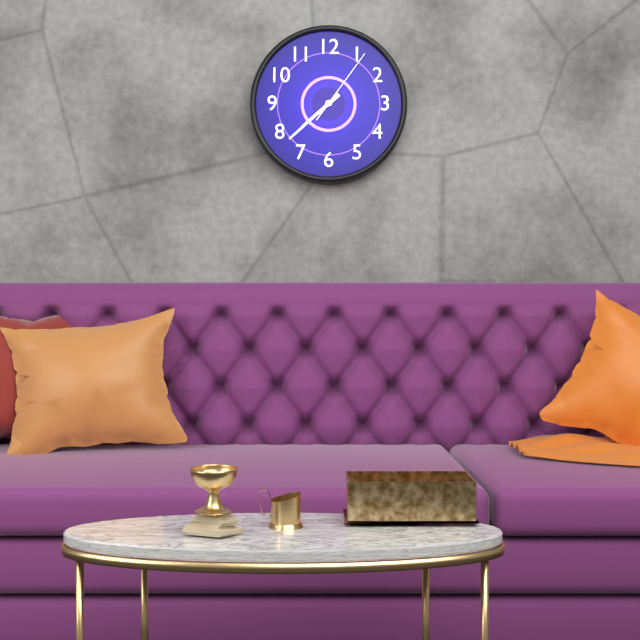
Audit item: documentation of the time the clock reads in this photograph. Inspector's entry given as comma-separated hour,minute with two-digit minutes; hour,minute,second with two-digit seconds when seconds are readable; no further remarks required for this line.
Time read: 7,38,06
